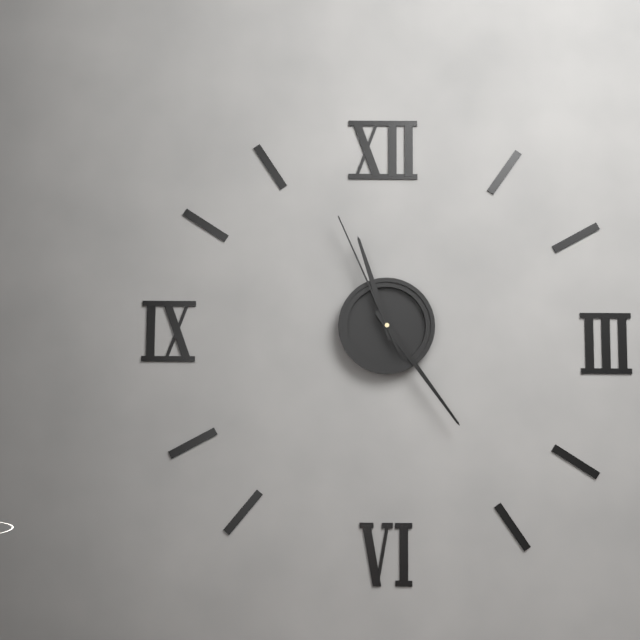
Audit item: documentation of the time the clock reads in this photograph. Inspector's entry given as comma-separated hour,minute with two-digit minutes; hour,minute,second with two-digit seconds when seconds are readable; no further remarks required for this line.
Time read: 11,24,56
